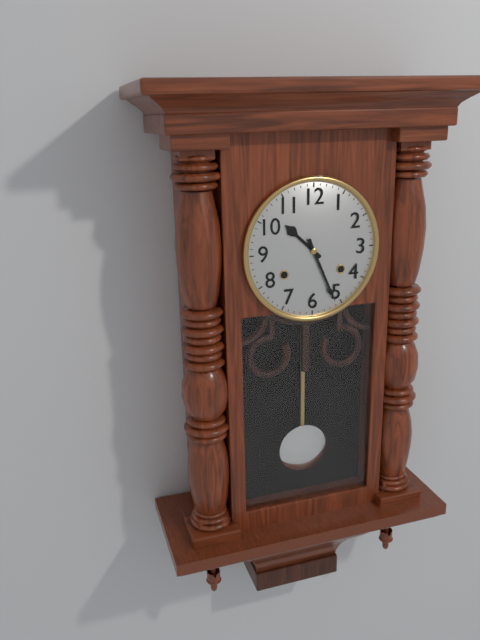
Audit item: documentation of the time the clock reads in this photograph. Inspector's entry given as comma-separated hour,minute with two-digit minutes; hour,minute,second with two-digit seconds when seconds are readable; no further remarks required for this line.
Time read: 10,26
